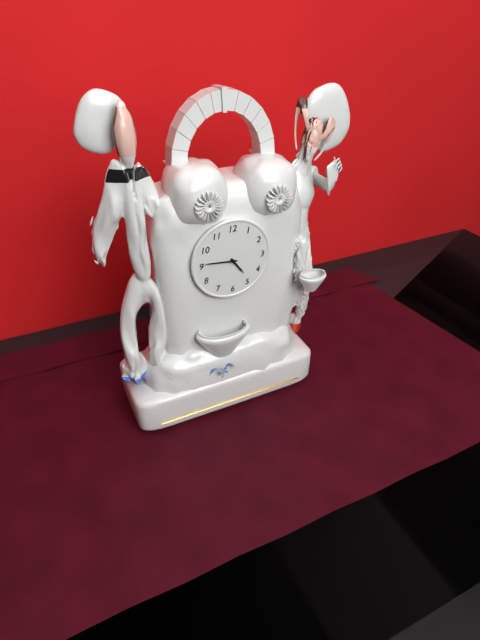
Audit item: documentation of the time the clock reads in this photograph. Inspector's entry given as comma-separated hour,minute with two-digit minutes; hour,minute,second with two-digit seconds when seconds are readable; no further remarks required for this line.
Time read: 4,46
